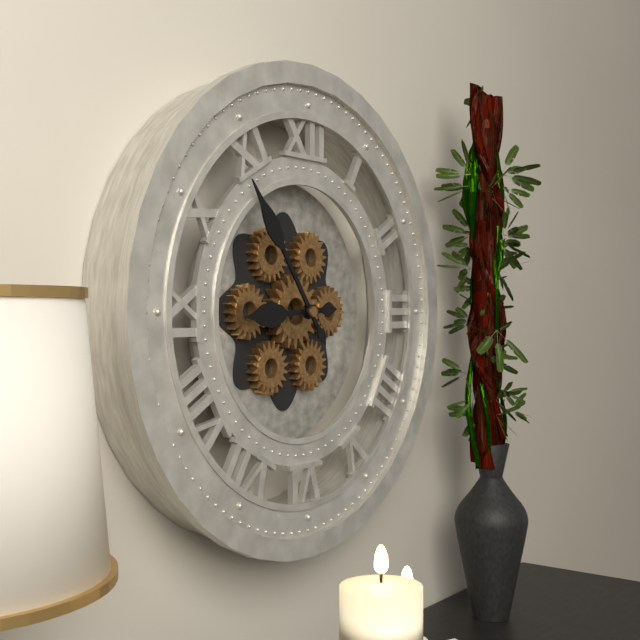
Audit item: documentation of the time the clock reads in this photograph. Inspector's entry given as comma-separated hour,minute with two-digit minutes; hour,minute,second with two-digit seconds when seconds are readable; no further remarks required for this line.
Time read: 8,54
